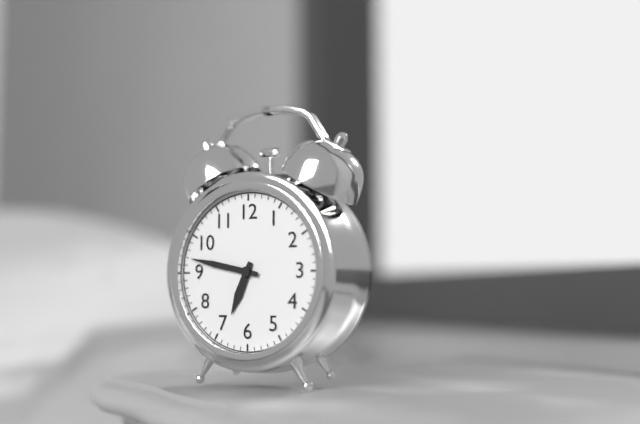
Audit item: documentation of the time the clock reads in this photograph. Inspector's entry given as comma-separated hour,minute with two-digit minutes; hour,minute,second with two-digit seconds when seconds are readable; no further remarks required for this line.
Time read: 6,47
